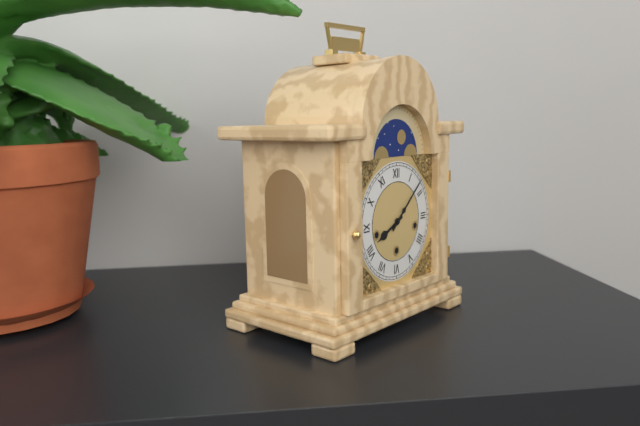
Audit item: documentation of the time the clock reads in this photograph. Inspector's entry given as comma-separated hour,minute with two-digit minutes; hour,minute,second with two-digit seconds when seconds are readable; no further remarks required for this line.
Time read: 8,08
